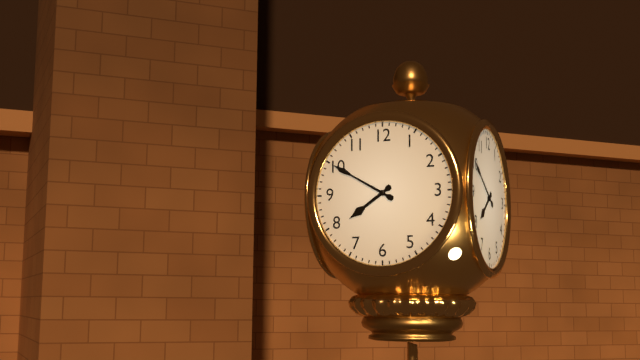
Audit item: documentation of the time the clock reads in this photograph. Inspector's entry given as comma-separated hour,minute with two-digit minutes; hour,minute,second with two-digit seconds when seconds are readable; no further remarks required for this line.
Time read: 7,50
